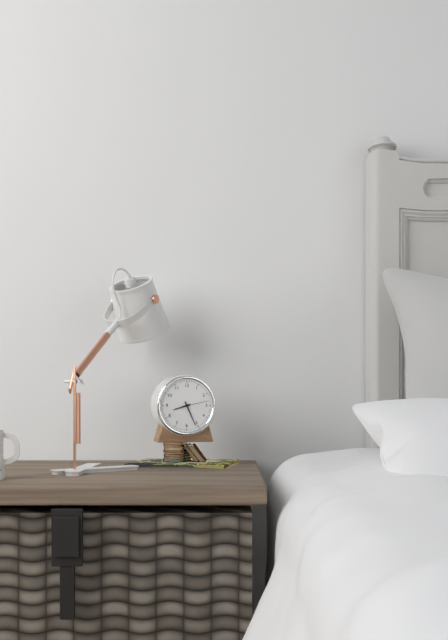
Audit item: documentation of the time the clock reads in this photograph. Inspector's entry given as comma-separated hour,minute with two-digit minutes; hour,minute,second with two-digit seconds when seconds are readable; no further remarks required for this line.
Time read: 8,26
